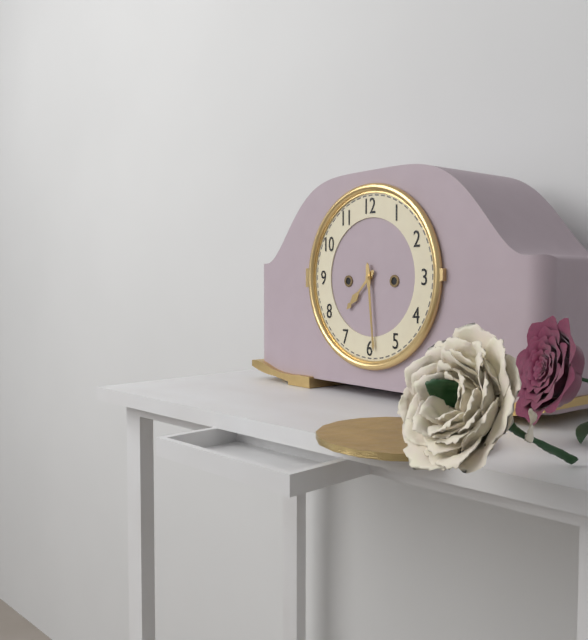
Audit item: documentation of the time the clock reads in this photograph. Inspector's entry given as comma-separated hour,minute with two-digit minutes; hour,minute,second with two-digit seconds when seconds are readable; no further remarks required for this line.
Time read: 7,29
